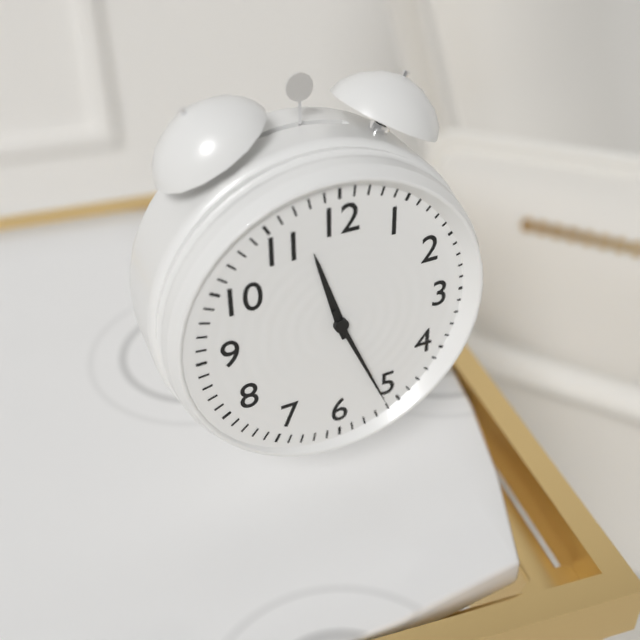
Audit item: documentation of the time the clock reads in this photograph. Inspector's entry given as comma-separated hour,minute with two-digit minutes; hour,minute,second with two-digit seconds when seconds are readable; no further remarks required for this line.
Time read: 11,26
